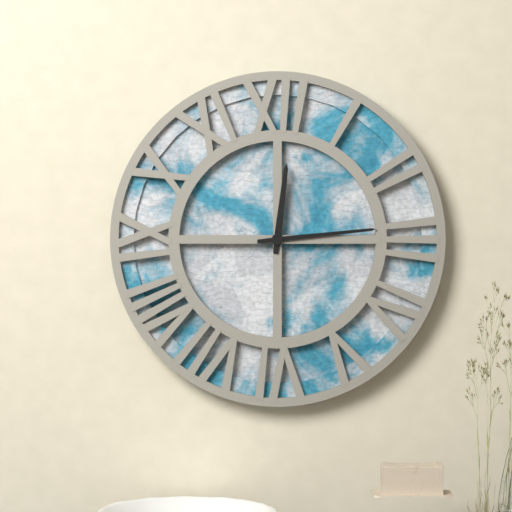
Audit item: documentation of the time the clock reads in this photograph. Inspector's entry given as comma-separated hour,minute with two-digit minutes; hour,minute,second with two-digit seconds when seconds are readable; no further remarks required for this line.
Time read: 12,14
